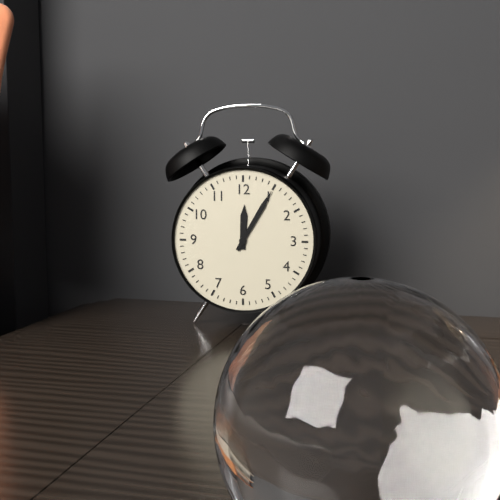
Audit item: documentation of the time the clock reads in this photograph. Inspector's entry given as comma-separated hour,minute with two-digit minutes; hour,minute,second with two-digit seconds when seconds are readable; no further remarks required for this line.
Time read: 12,05
